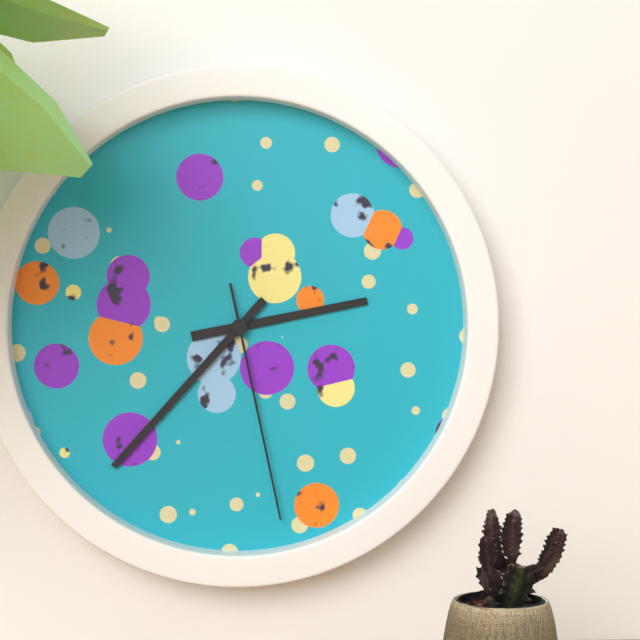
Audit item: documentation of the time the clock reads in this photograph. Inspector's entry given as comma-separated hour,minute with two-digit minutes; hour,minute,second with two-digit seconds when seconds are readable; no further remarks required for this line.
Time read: 2,37,28
